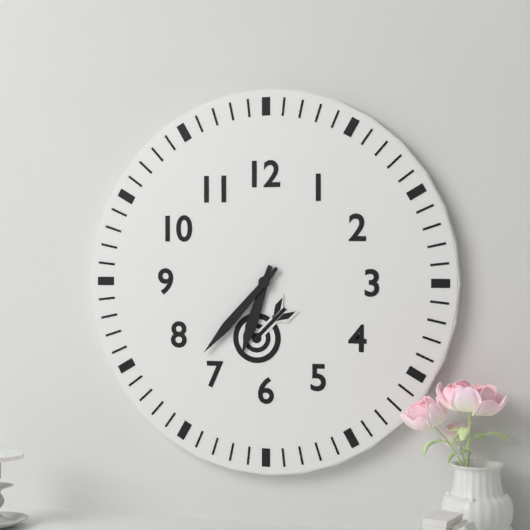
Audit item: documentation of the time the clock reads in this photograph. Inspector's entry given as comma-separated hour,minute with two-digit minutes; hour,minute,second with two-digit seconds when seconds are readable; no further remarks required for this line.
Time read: 6,37
